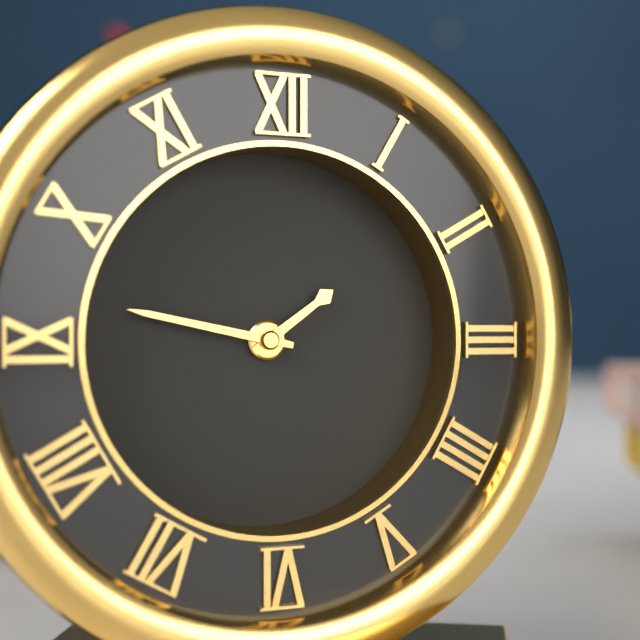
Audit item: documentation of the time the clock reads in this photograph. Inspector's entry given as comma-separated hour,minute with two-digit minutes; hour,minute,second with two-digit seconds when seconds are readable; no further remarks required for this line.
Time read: 1,47
